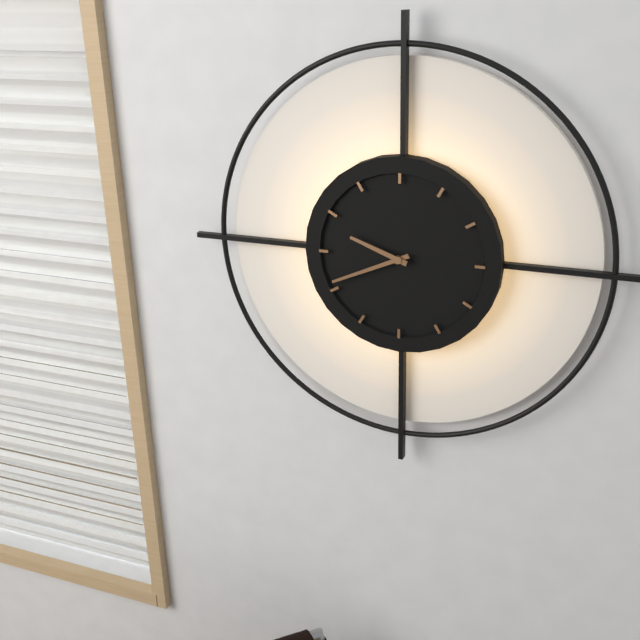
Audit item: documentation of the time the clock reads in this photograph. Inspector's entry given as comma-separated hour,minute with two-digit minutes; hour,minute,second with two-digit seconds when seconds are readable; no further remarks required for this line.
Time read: 9,41
